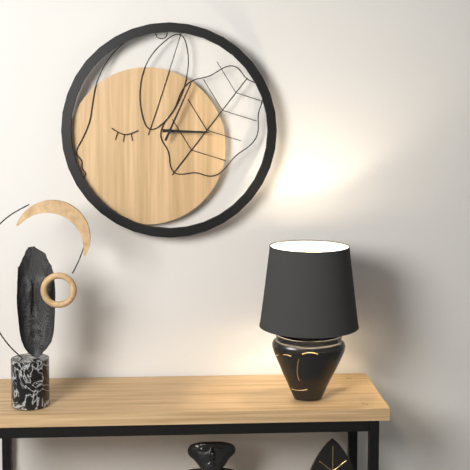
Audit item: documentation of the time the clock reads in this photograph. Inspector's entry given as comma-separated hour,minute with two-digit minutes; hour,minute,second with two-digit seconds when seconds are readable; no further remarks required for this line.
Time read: 3,04
